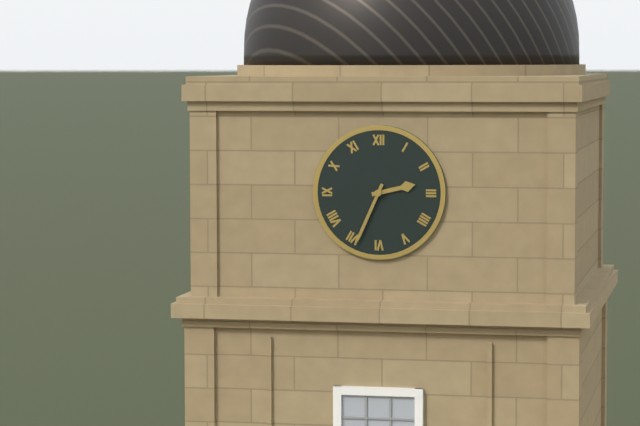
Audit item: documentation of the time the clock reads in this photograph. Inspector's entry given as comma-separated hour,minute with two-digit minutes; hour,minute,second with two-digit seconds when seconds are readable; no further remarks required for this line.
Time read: 2,34
